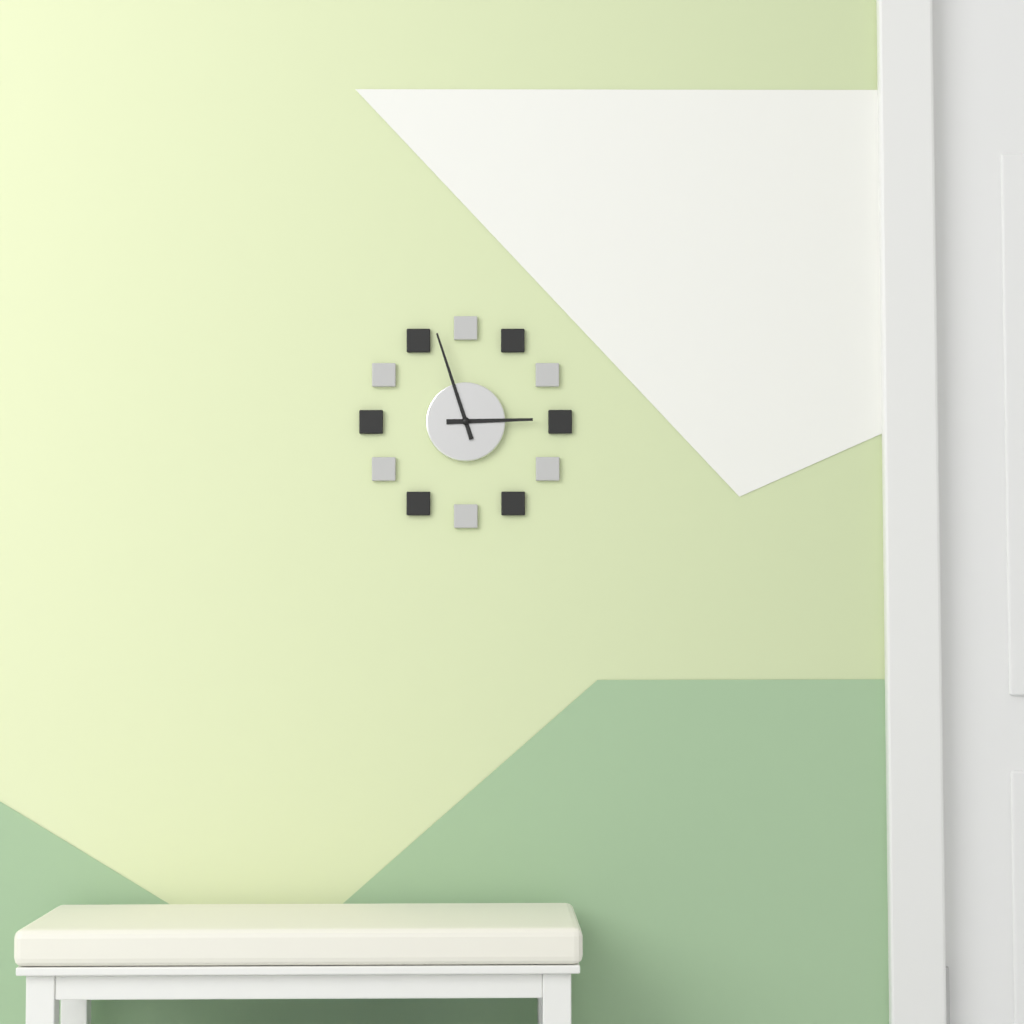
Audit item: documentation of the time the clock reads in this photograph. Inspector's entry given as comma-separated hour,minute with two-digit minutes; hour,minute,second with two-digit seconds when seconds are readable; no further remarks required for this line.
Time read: 2,57
